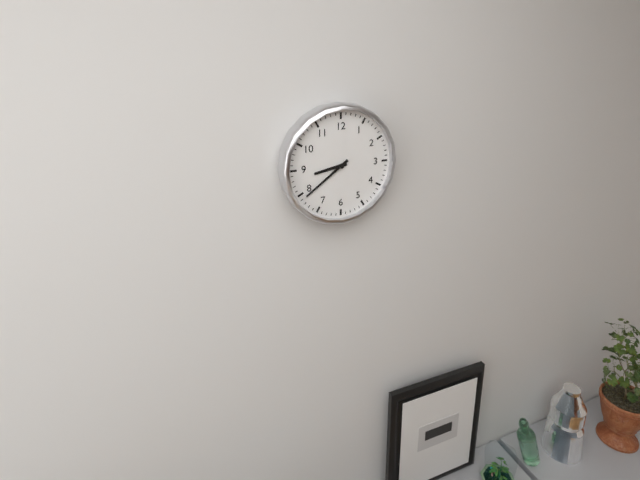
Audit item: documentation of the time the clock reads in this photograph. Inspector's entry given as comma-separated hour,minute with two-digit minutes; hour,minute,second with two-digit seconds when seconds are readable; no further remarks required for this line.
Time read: 8,39
